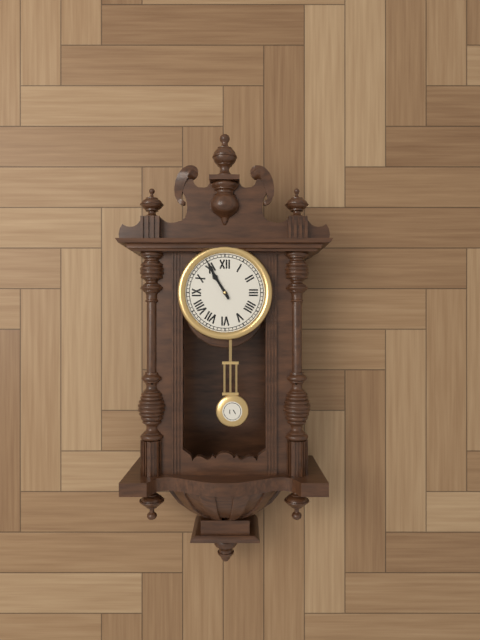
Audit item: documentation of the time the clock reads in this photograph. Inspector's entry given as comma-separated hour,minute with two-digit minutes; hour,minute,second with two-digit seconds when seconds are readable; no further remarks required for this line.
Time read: 10,55
